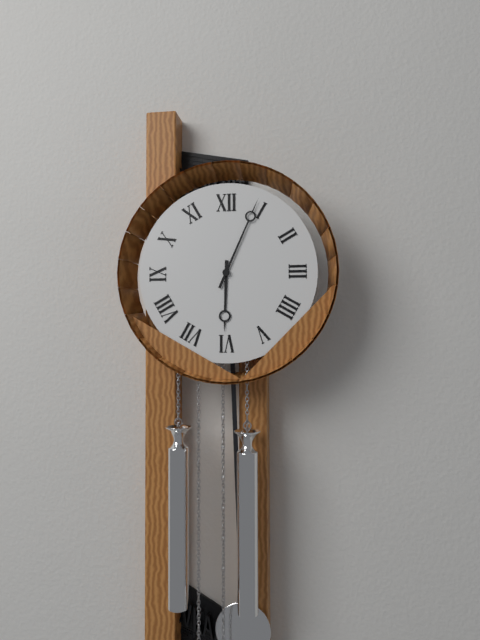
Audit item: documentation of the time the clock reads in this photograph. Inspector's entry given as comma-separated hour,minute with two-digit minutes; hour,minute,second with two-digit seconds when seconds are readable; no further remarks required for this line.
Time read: 6,04
